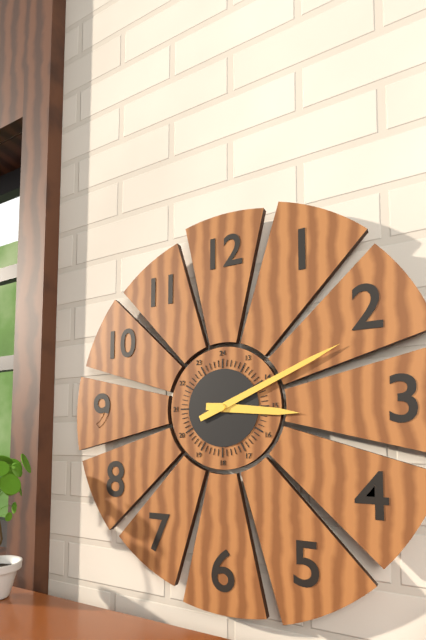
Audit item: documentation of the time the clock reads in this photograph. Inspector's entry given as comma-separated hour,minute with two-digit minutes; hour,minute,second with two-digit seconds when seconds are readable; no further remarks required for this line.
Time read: 3,11
